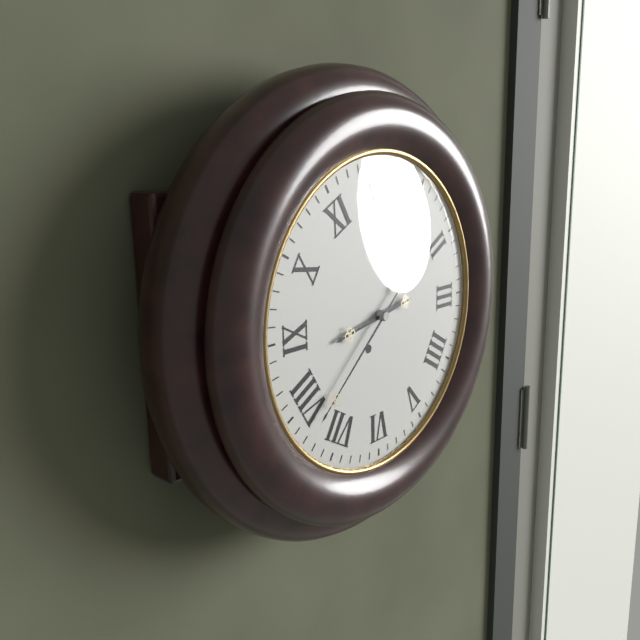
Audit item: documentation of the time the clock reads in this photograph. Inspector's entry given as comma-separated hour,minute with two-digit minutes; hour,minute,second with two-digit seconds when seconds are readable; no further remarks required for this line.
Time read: 8,38
